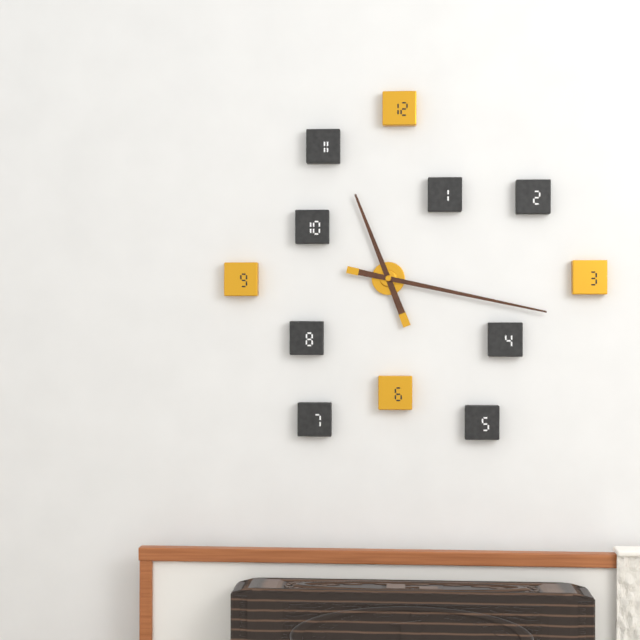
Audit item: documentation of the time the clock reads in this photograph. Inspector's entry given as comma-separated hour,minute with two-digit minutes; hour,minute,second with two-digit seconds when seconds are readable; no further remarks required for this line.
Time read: 11,17
